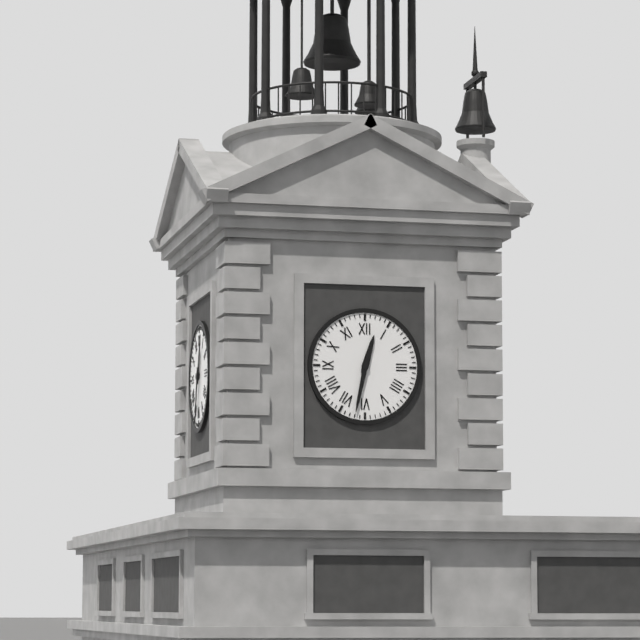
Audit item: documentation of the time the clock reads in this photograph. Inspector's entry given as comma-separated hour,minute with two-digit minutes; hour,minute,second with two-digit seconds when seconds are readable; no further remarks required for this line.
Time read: 12,32
